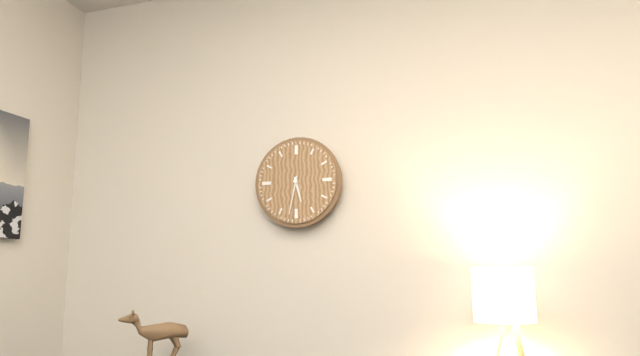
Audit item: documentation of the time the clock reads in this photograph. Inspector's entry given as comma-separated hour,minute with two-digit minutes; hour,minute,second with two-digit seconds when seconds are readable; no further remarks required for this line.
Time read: 5,32
